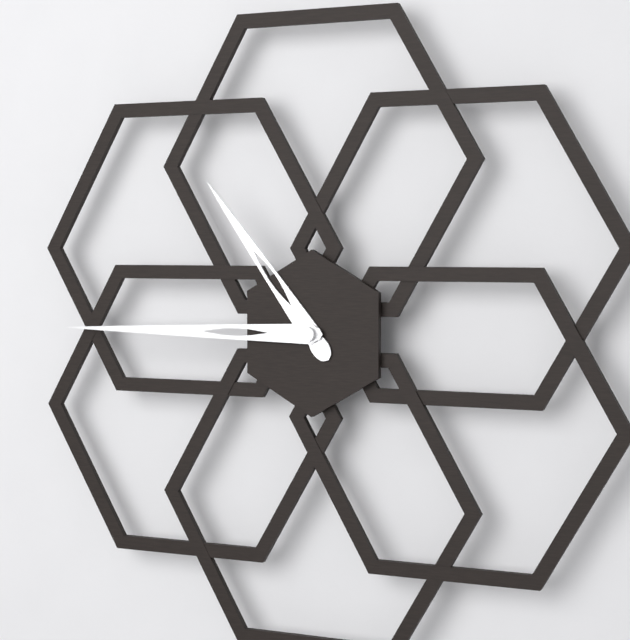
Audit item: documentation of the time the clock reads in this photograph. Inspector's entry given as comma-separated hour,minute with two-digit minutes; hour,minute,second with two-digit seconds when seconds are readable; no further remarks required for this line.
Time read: 10,45
